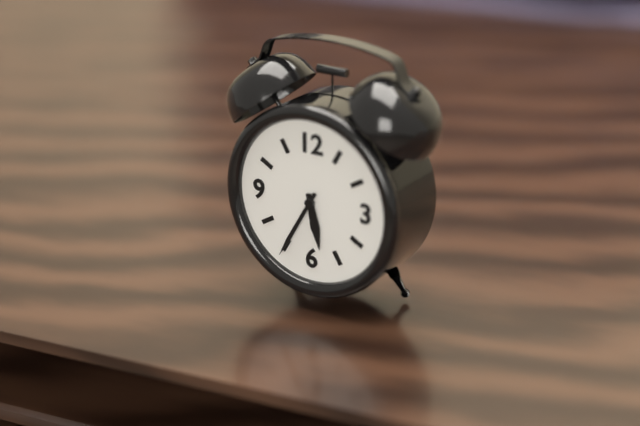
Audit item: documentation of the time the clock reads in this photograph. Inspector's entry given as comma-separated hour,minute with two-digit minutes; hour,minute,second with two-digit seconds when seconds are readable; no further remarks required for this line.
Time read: 5,35
